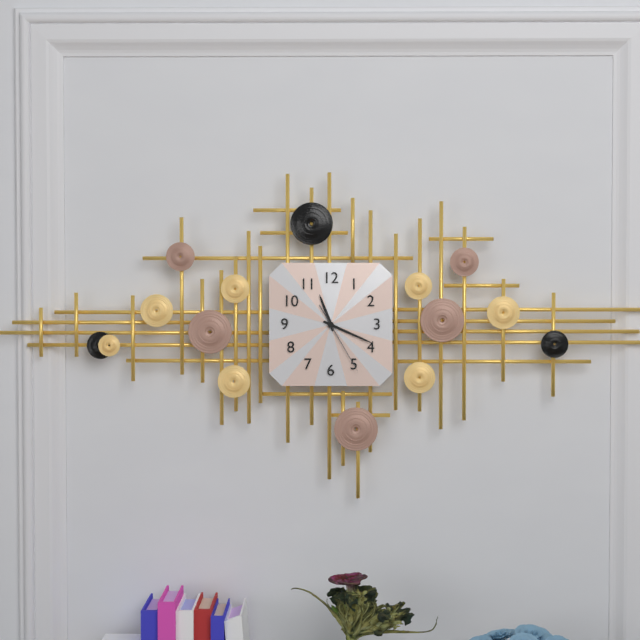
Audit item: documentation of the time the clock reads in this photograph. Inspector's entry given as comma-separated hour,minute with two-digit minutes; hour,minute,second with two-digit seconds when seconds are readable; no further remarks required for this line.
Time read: 11,19,25
